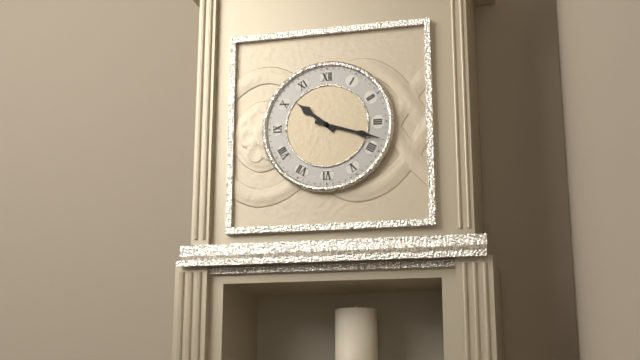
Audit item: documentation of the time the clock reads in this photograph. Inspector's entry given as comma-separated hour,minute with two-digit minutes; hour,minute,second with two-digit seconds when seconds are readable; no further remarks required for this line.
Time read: 10,18
